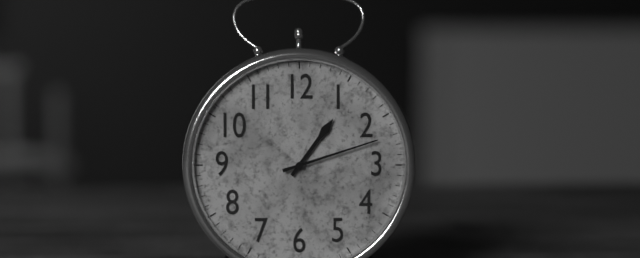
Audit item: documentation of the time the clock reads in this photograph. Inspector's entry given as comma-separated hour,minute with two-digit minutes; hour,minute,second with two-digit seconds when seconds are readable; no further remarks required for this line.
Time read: 1,12
